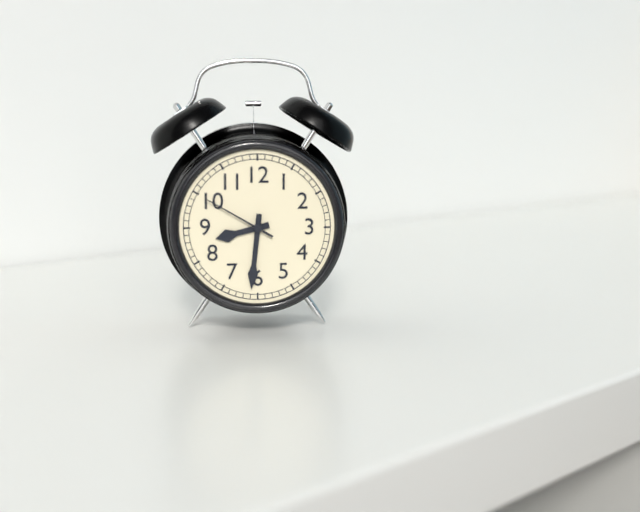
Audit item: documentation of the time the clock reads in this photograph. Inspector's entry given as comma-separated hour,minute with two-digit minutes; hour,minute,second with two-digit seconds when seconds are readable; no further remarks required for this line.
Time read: 8,31,50
